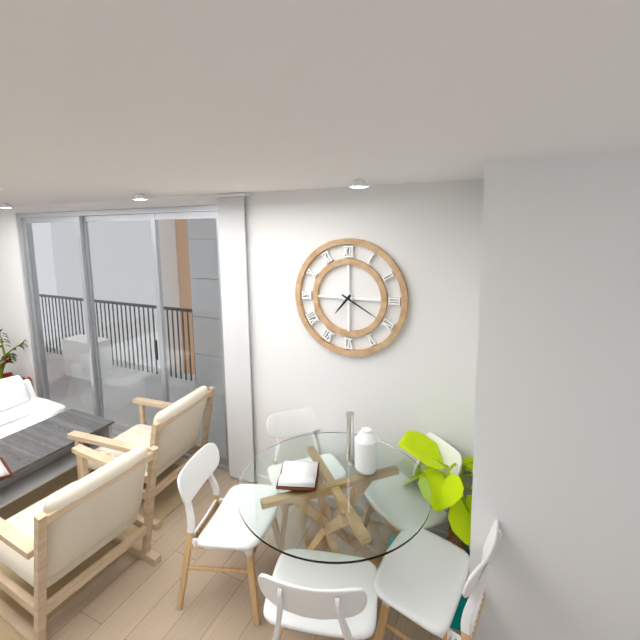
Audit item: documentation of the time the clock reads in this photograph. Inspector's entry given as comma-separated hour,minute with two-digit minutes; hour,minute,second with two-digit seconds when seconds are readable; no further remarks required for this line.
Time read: 7,20
